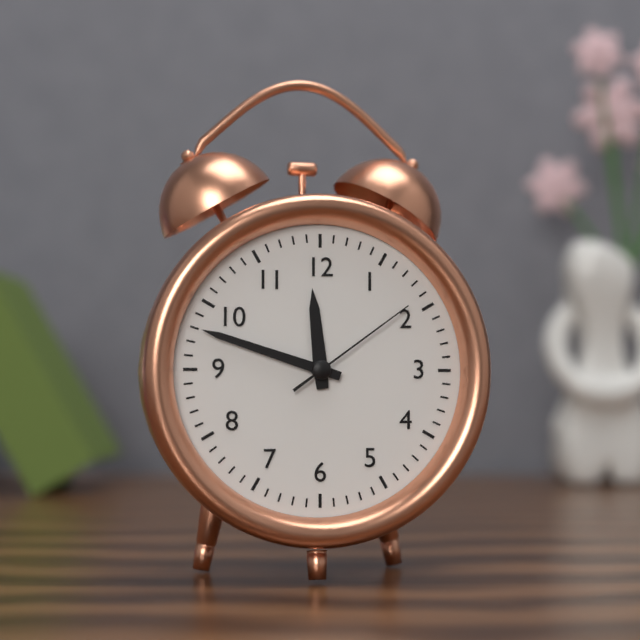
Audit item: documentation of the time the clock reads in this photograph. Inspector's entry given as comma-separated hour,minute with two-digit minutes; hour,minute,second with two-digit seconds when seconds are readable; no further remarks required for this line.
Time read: 11,48,09
